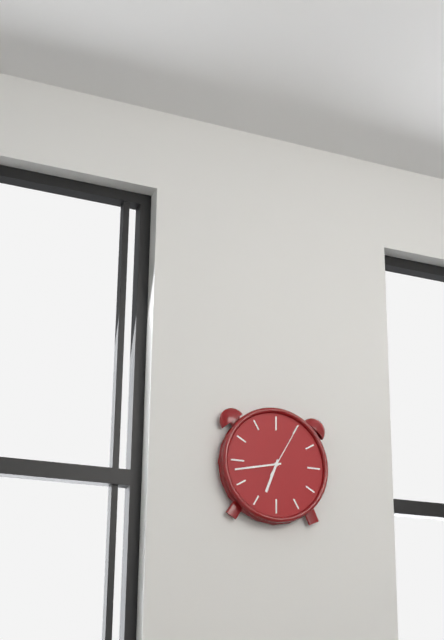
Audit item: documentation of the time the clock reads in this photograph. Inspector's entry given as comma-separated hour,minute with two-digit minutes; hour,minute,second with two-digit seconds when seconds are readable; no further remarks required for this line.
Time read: 6,43,05
